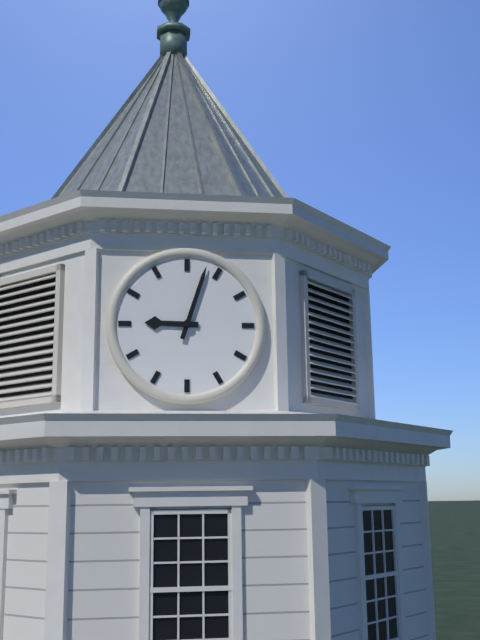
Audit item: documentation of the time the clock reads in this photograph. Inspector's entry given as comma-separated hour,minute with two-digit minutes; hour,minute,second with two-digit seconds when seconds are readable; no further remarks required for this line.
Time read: 9,03
